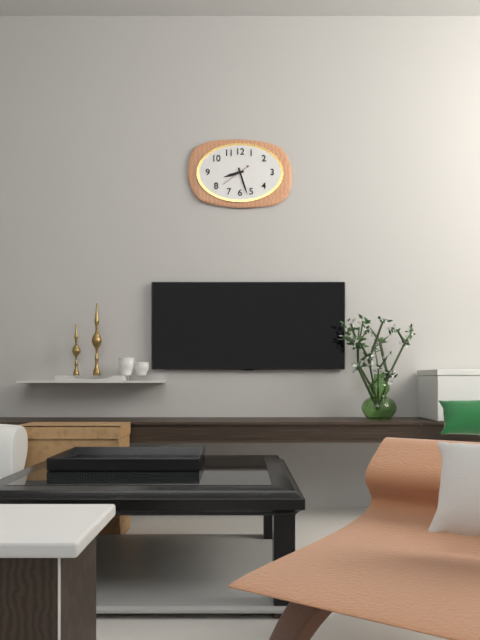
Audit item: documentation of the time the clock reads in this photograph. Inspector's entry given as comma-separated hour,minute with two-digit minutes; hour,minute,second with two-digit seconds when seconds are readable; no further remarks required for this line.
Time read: 8,27
